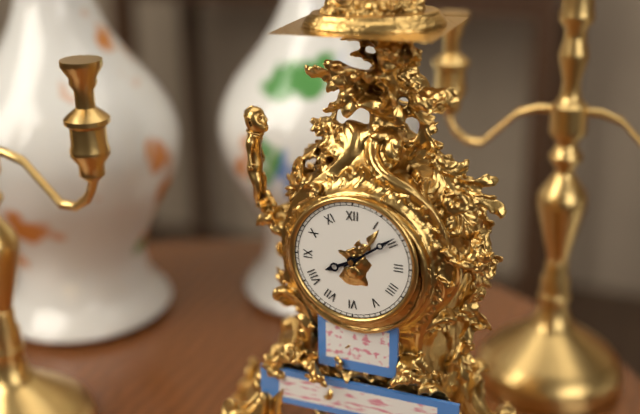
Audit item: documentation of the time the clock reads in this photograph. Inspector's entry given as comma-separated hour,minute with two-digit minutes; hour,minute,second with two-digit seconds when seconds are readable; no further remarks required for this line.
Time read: 8,09
